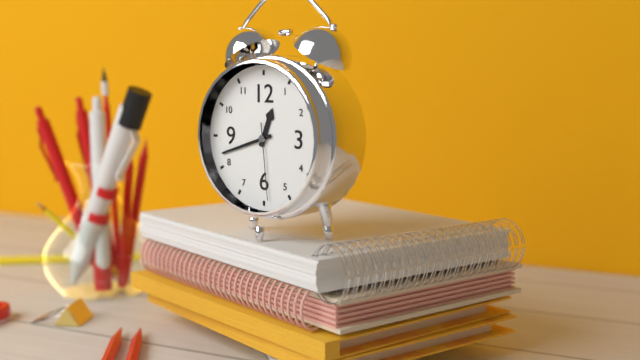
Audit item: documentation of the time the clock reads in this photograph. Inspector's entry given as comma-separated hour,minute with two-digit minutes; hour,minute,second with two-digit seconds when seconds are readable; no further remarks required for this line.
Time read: 12,42,29
